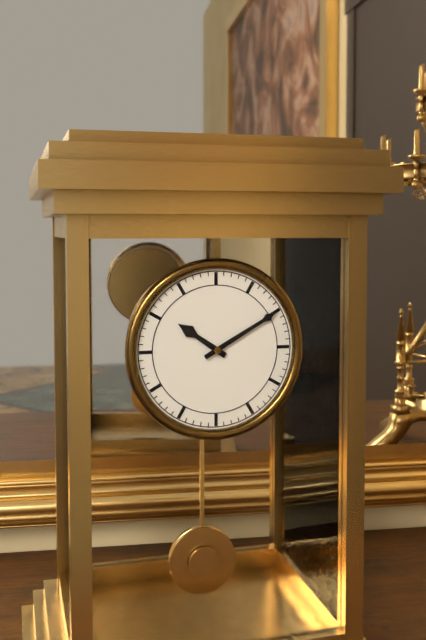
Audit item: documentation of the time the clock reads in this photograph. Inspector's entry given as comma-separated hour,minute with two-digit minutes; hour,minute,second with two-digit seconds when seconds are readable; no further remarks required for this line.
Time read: 10,10
